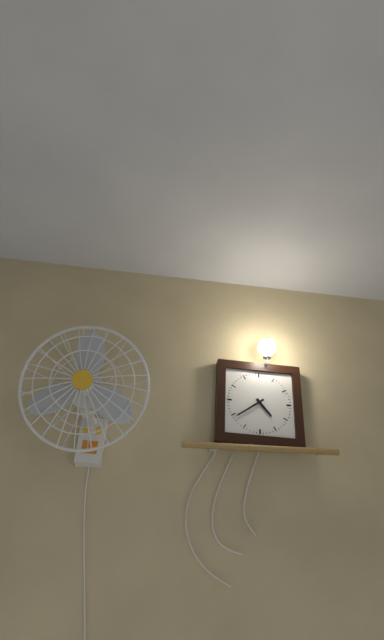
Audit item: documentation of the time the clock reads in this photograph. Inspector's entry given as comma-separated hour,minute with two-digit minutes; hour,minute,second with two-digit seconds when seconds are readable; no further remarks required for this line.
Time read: 4,39
